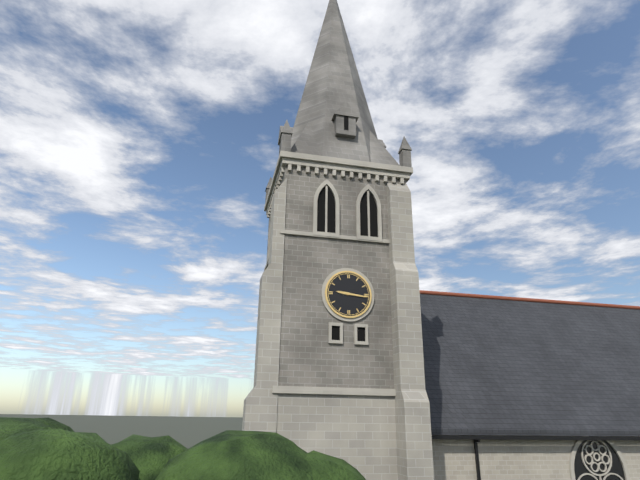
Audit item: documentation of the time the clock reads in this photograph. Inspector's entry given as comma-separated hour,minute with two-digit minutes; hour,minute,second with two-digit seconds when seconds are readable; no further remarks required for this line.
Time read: 9,16
